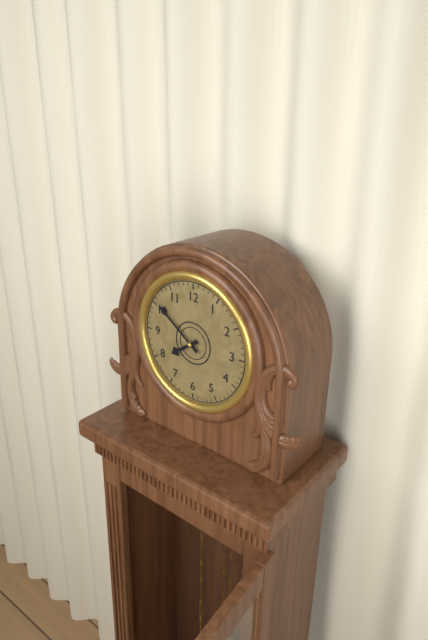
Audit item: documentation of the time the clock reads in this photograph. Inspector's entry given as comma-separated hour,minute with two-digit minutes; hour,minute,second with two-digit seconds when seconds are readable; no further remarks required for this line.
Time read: 7,51
